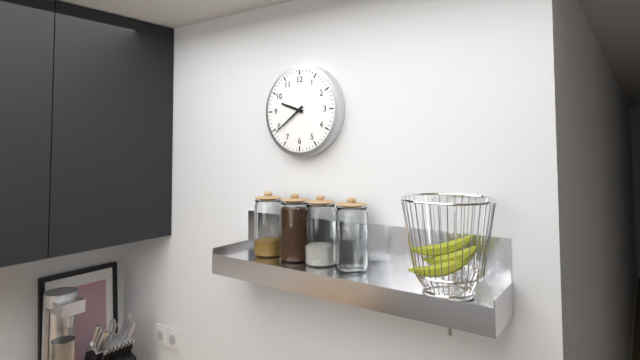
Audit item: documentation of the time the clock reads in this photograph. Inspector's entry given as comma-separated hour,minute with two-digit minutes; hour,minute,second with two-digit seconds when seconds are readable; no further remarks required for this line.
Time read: 9,39
